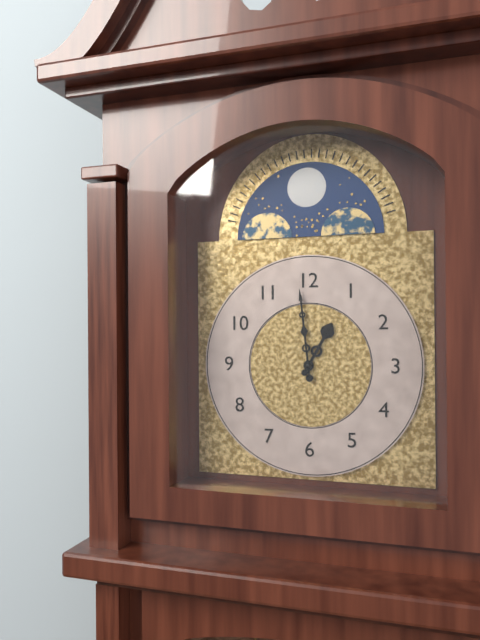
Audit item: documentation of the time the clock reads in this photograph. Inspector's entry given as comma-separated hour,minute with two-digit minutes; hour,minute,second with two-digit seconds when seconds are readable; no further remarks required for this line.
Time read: 12,59
